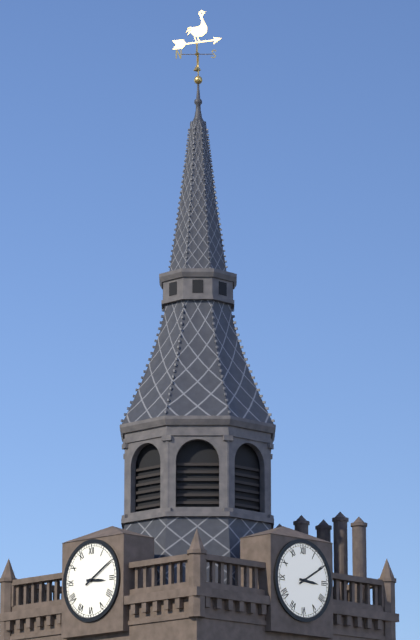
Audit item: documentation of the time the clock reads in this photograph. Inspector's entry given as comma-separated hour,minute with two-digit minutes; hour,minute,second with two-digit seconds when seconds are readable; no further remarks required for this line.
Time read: 3,10
